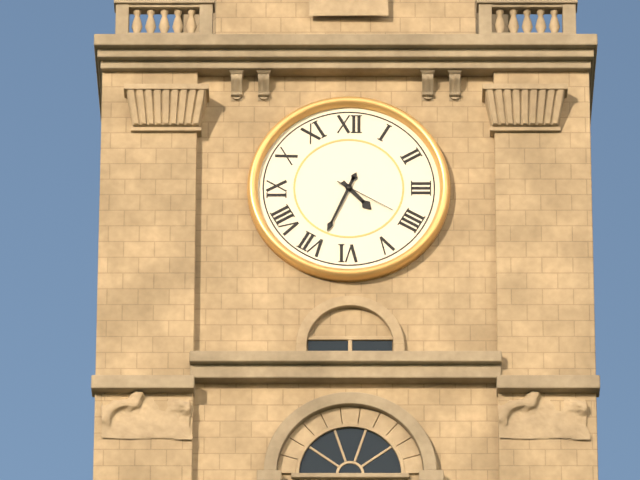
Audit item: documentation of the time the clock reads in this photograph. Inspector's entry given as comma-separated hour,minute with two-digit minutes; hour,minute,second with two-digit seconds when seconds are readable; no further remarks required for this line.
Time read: 4,34,20
